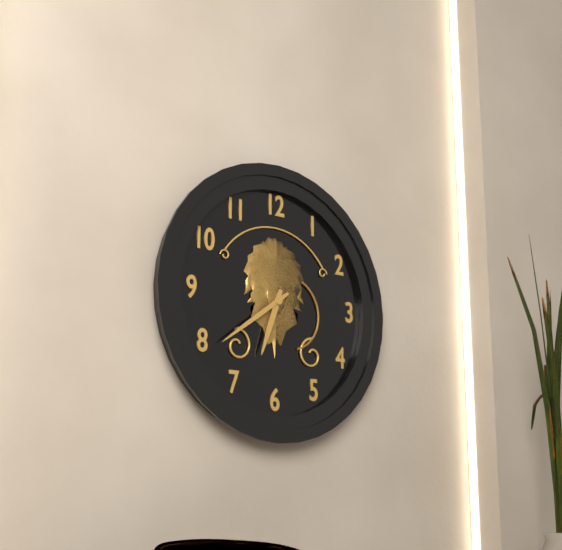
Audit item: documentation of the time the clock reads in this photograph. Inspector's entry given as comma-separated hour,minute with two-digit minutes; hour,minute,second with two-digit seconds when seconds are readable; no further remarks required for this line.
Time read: 6,39
